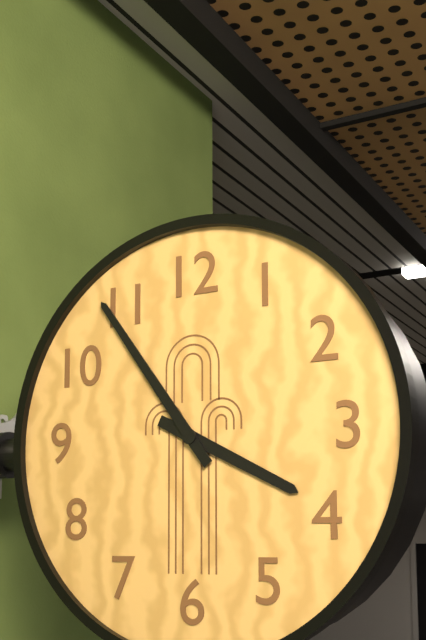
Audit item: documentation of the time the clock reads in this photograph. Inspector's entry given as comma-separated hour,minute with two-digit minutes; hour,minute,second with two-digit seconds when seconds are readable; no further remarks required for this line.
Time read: 3,54
